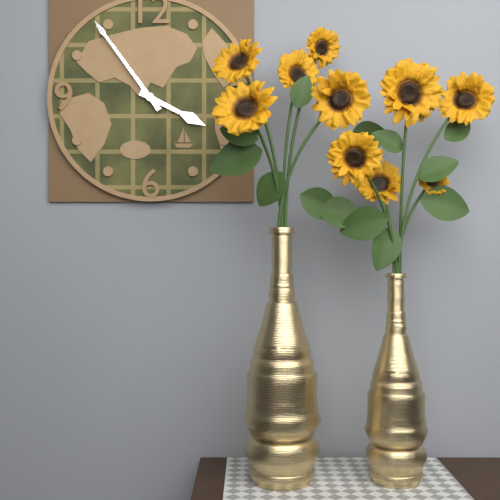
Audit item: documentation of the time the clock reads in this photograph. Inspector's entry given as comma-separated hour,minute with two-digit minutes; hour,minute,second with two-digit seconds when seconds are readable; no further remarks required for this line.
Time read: 3,54
